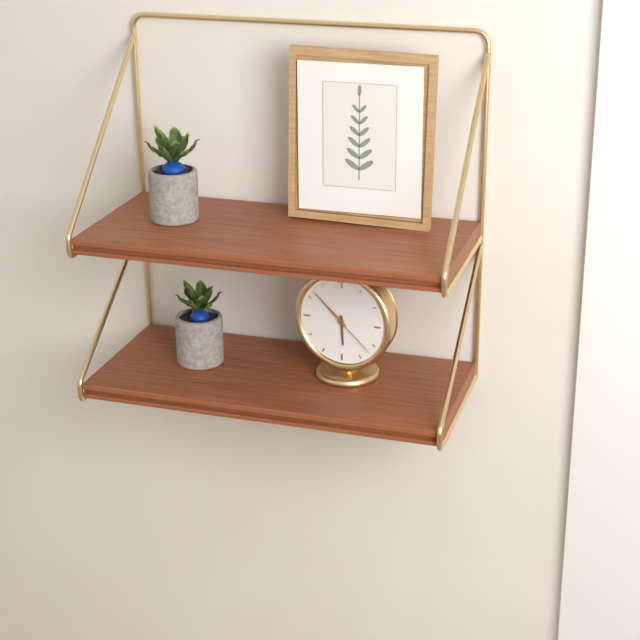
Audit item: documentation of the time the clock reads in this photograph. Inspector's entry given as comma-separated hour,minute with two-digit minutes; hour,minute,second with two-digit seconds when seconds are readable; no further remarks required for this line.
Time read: 5,52,22
